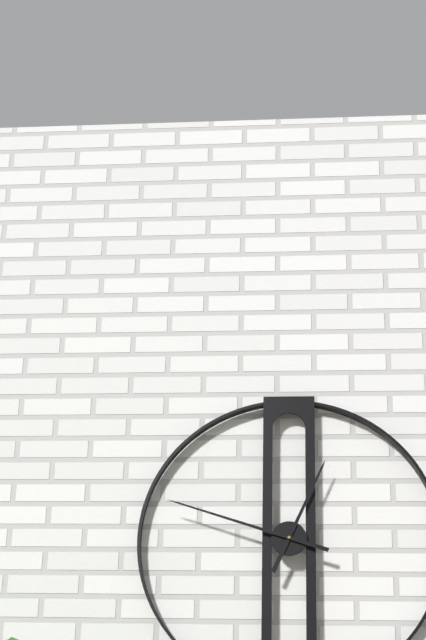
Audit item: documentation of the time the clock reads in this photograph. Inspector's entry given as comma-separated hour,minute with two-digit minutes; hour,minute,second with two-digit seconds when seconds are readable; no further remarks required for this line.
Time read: 12,48
